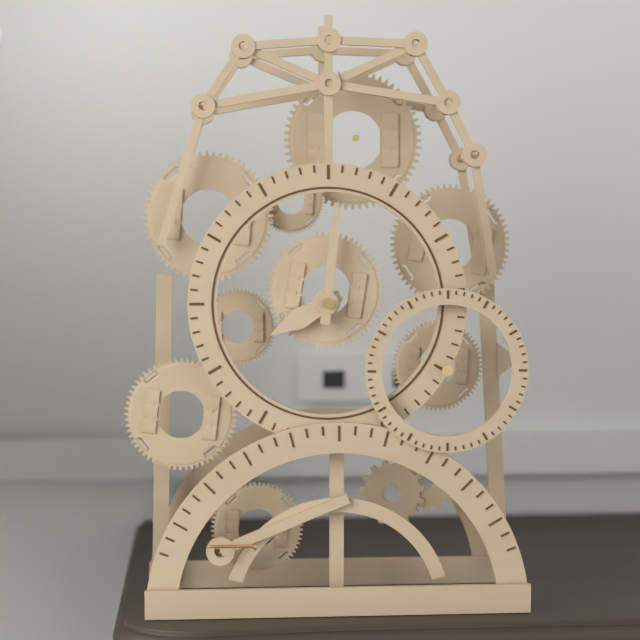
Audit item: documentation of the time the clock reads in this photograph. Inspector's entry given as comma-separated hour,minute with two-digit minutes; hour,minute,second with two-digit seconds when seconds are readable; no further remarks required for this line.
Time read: 8,01
